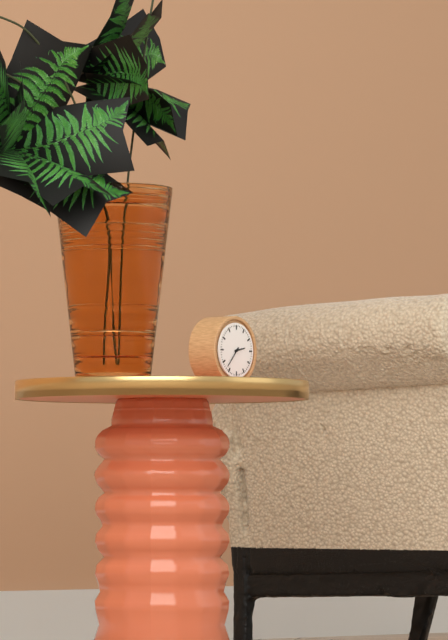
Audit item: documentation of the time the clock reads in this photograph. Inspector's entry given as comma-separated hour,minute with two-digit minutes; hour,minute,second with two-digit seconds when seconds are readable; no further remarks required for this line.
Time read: 2,37
